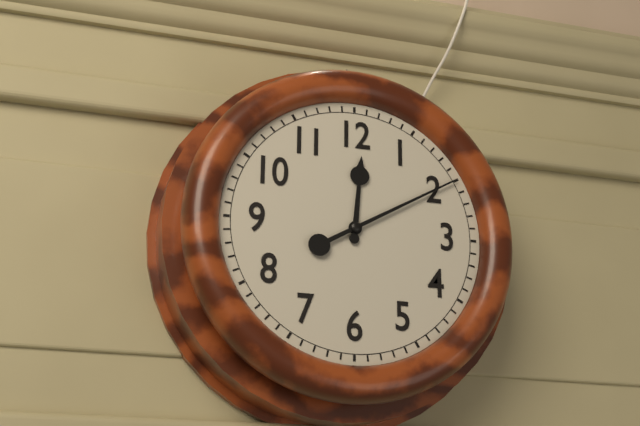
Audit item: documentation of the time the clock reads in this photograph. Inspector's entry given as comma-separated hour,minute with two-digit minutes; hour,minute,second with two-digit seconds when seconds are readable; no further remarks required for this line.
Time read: 12,10
